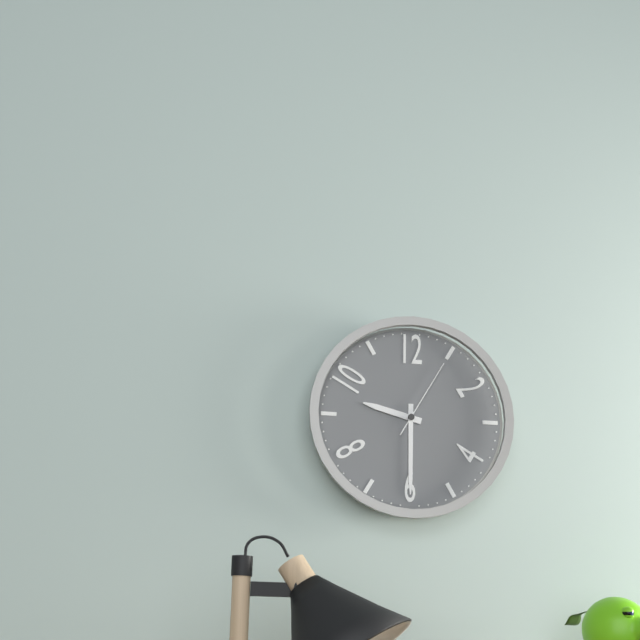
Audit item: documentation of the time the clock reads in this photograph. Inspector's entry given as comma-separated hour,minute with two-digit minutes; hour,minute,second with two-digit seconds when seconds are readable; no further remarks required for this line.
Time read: 9,30,05
